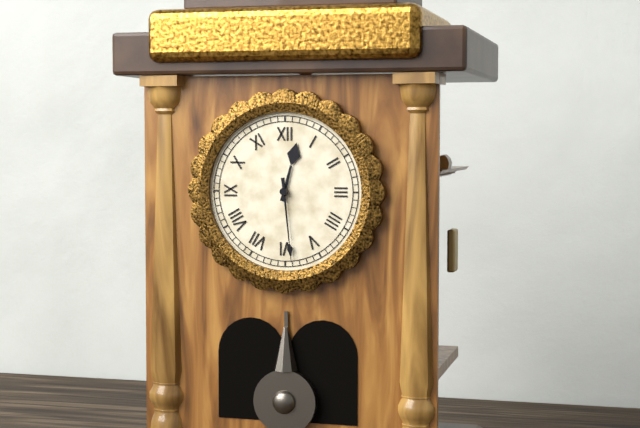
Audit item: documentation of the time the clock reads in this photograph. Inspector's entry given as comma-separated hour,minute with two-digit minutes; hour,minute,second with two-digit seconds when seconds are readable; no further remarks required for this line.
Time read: 12,29
